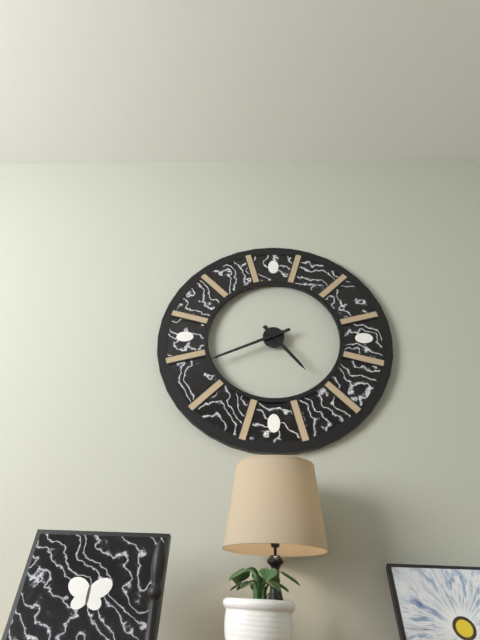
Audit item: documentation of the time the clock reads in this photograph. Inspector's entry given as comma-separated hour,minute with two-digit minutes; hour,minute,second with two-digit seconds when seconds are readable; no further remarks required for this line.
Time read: 4,41
